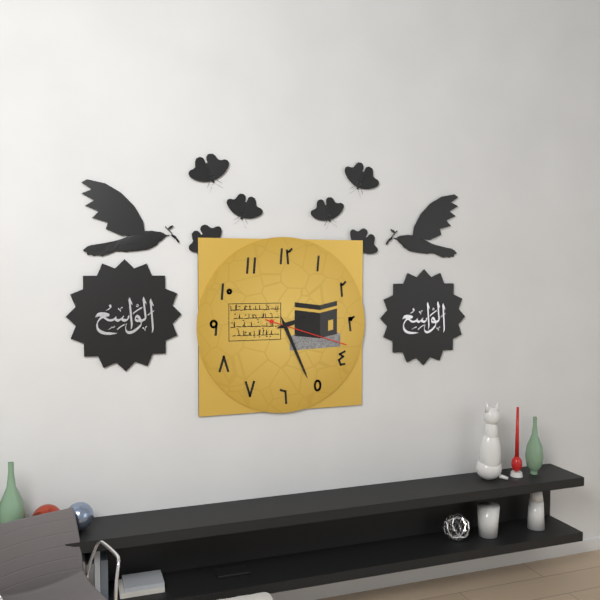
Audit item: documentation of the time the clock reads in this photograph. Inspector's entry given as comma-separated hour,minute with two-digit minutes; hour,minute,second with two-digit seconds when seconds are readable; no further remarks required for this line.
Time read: 2,26,18
